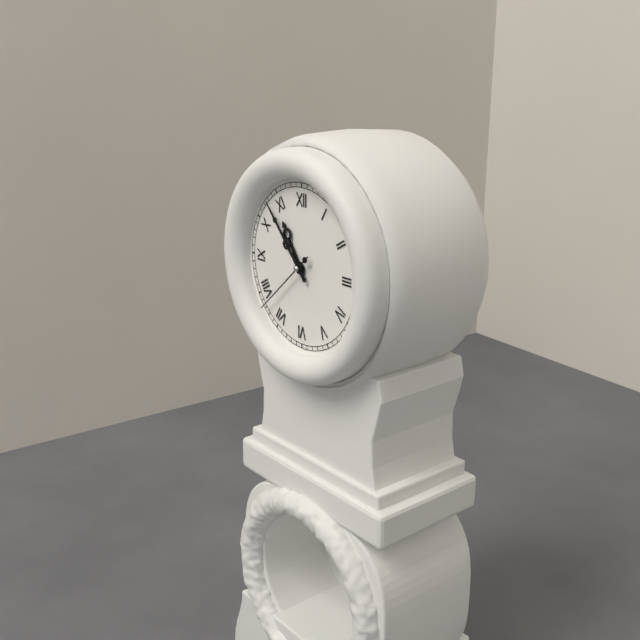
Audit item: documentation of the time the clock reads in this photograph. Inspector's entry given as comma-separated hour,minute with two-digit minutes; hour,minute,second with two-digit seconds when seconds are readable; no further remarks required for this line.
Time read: 10,53,38
